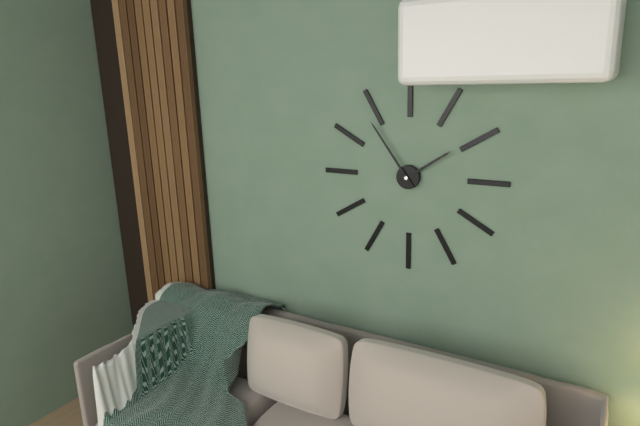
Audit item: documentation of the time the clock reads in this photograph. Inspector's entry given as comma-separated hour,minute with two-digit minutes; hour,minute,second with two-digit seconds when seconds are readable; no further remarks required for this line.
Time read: 1,54
